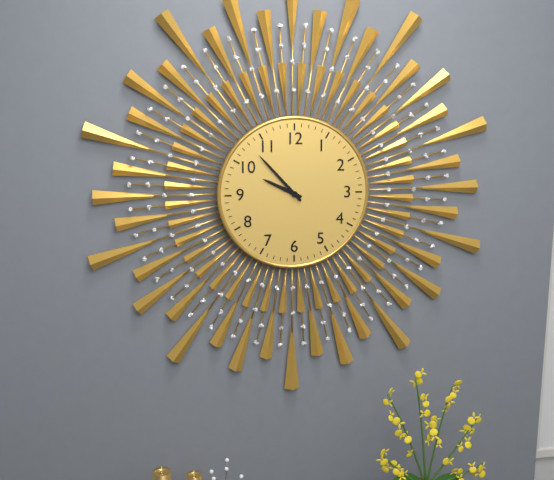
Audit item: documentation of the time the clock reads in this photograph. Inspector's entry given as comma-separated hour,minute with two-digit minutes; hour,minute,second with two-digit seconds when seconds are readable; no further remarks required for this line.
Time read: 9,53
